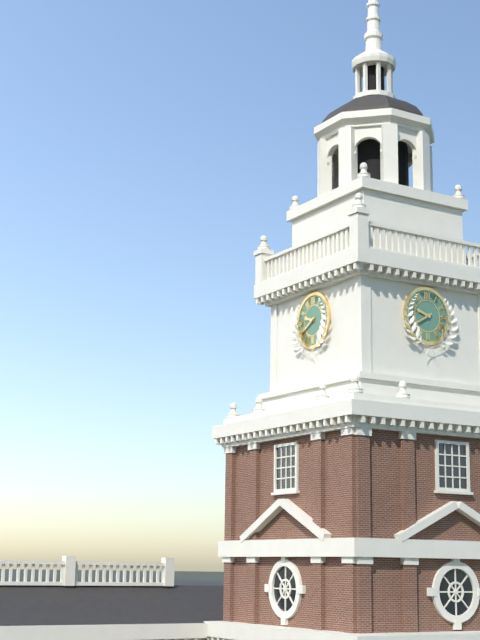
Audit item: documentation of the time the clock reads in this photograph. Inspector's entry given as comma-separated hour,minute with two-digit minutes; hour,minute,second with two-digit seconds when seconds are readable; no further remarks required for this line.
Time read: 9,40
